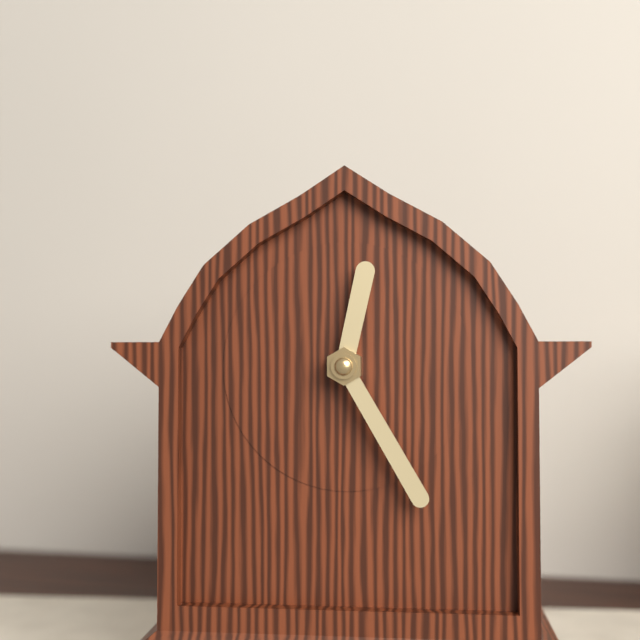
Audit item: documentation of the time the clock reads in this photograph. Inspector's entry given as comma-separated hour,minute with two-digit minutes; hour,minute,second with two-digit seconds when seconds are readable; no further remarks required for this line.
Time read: 12,25
